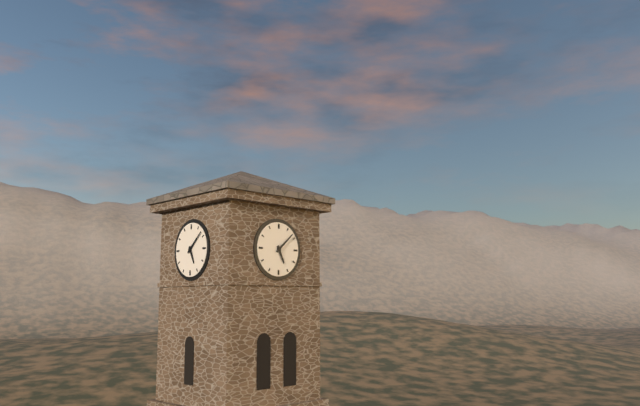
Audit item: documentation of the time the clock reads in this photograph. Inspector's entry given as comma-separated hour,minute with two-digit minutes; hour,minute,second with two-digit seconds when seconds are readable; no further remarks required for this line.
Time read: 5,08
